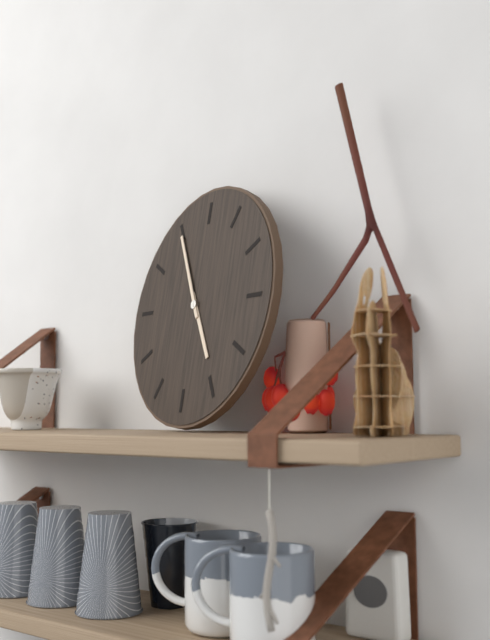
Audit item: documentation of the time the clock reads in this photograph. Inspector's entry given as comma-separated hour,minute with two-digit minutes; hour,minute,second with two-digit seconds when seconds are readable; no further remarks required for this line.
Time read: 4,55
